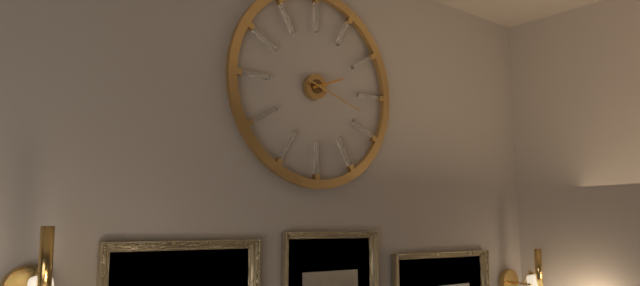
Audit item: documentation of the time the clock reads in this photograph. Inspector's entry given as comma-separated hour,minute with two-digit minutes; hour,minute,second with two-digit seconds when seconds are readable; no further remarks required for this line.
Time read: 2,18
